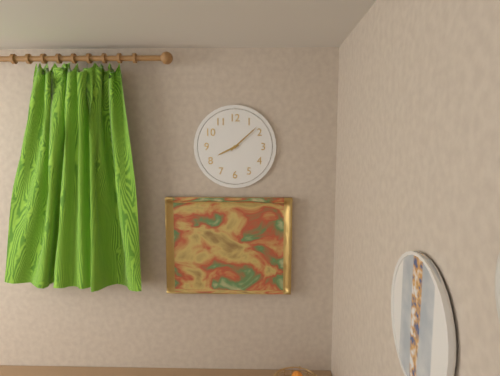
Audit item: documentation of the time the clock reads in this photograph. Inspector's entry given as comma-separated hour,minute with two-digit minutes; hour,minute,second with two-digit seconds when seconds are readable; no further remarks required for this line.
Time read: 8,08
